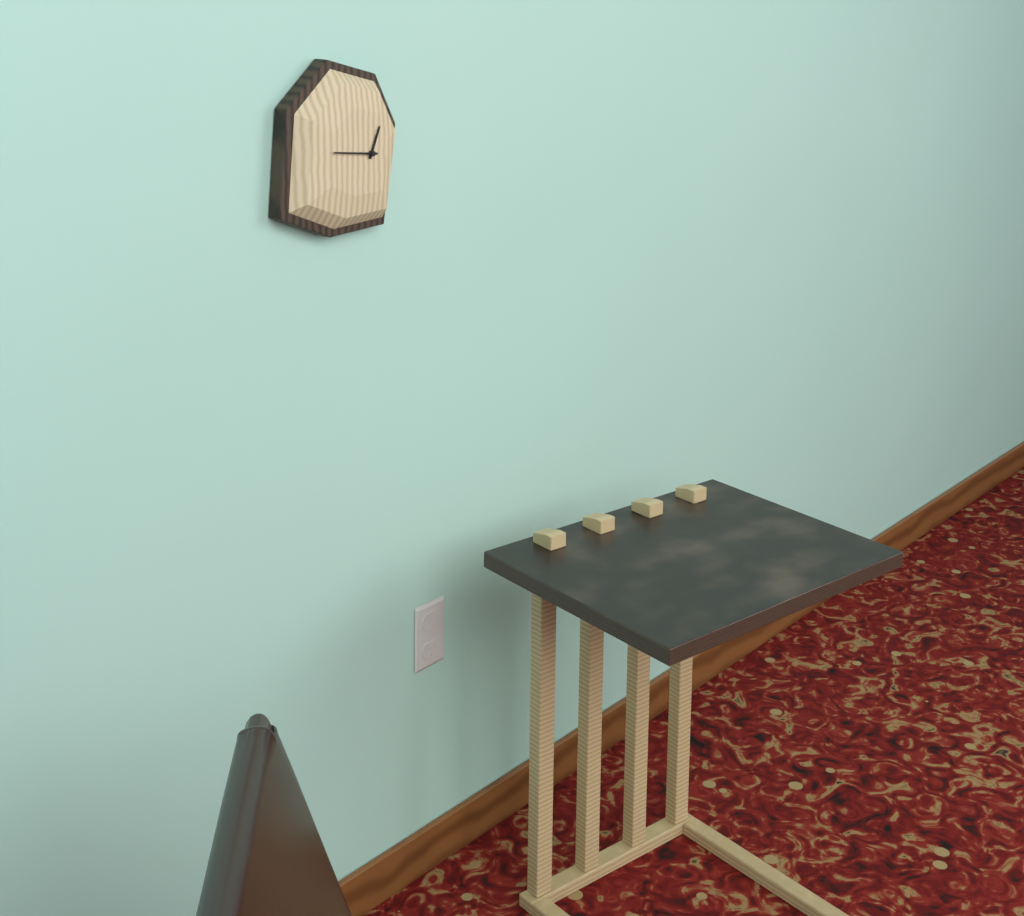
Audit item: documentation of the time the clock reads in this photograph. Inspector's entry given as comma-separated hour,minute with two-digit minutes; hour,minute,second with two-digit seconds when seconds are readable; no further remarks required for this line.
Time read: 12,46
